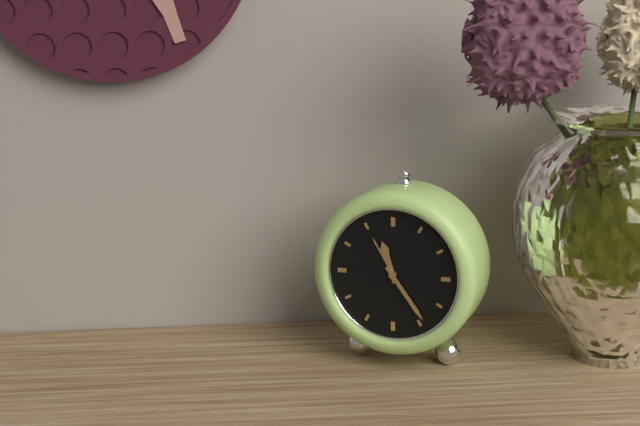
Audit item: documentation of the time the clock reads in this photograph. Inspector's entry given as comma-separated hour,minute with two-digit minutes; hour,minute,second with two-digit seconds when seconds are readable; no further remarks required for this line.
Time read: 11,24
